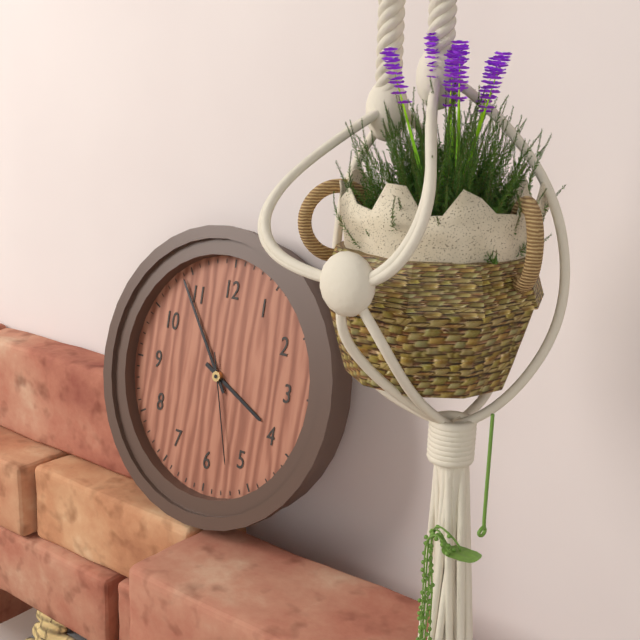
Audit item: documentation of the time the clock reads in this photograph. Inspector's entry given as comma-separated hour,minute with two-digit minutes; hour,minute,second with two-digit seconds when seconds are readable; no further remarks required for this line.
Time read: 3,54,27
